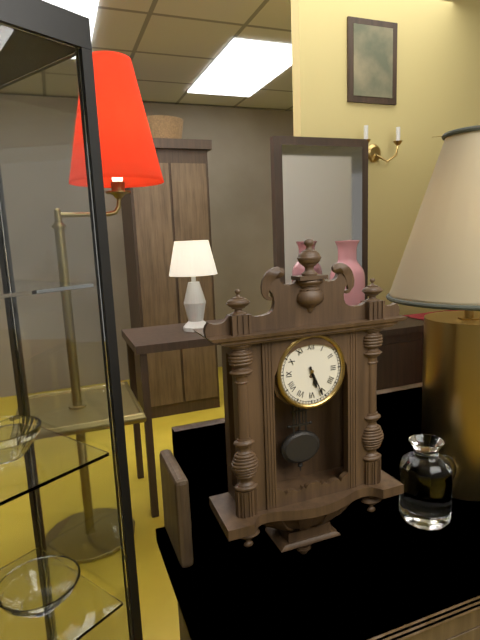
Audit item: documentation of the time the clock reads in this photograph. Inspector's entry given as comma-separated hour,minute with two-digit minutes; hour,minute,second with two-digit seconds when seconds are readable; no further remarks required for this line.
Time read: 5,26
